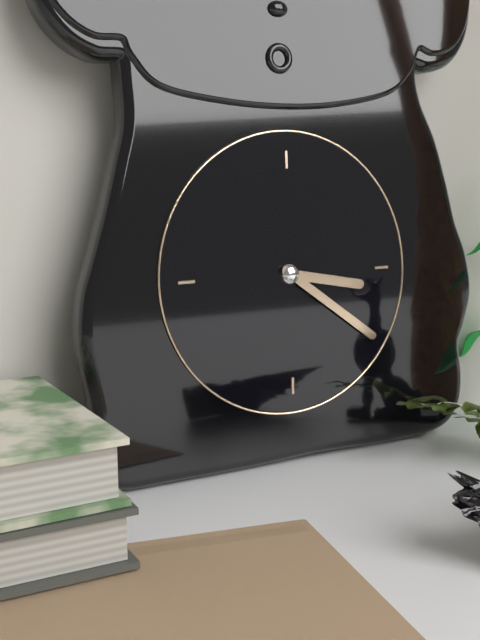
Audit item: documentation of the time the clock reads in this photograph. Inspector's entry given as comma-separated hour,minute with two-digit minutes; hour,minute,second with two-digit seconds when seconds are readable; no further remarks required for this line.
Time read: 3,21
